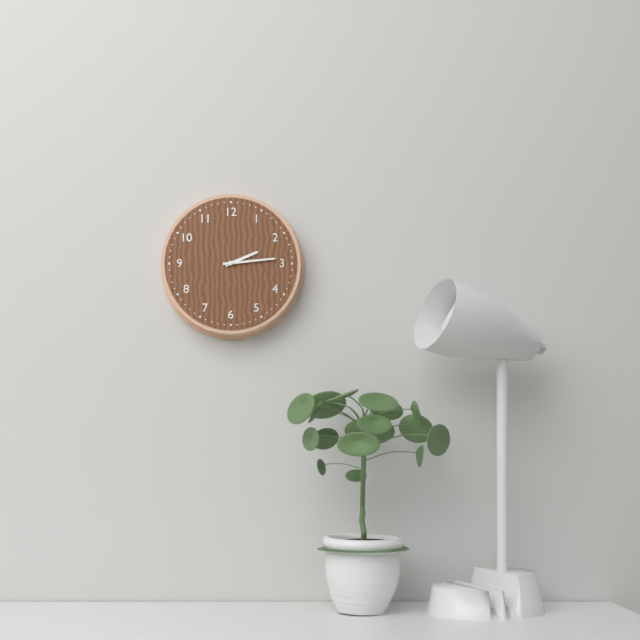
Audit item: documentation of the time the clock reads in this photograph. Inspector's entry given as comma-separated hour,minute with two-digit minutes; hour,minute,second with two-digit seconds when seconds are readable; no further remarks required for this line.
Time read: 2,14
